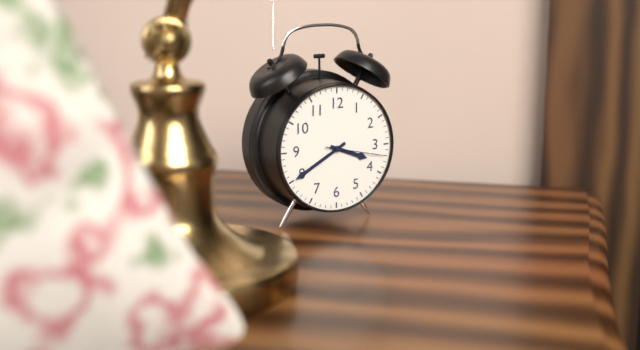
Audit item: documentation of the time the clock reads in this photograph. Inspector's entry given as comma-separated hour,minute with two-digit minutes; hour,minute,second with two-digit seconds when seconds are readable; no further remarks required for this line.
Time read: 3,40,17
